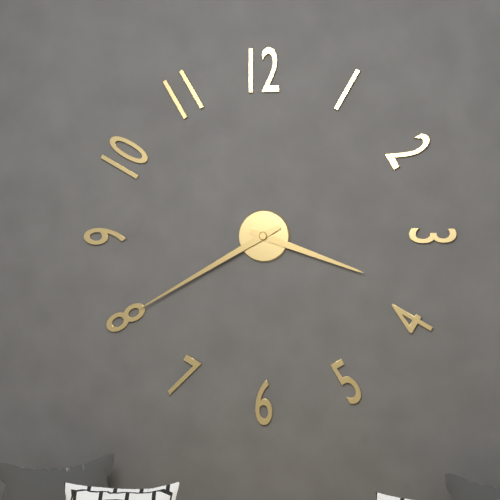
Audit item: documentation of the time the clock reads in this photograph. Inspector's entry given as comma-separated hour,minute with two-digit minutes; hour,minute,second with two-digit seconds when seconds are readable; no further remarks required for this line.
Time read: 3,40
